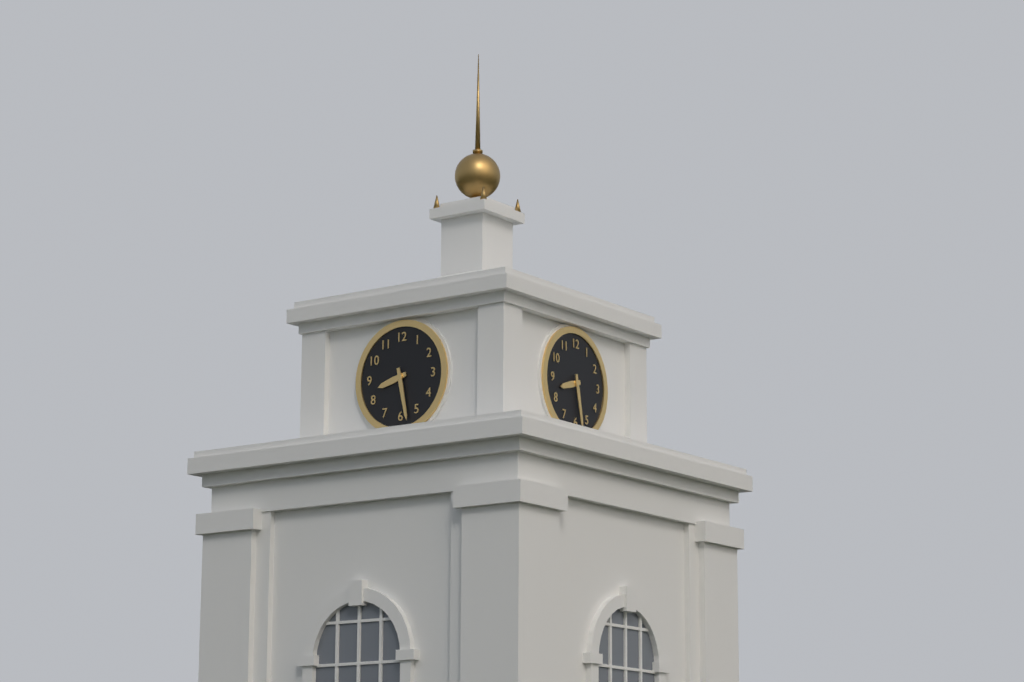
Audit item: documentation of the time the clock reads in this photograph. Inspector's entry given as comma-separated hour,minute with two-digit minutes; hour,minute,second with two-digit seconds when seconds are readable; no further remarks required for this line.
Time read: 8,28
